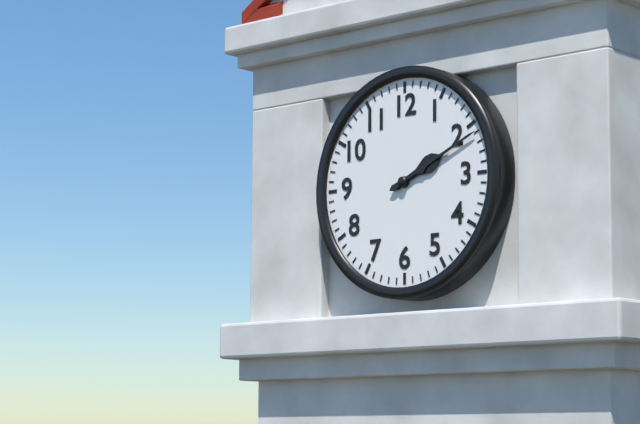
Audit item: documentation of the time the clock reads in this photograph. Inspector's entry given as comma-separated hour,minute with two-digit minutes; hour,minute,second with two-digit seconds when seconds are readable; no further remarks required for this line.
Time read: 2,11
